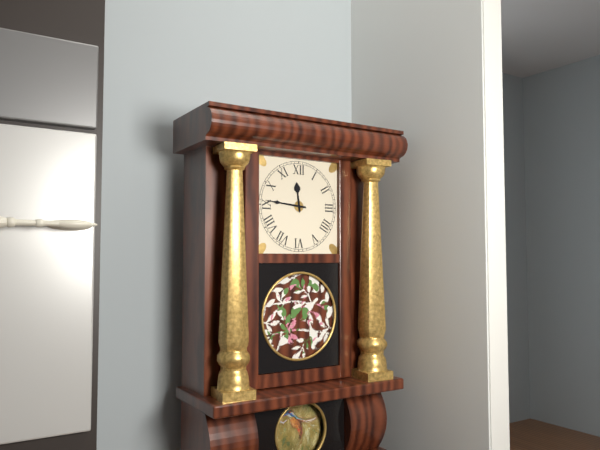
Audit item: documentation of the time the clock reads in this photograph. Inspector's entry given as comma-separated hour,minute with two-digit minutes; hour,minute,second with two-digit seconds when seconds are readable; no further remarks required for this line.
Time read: 11,46
